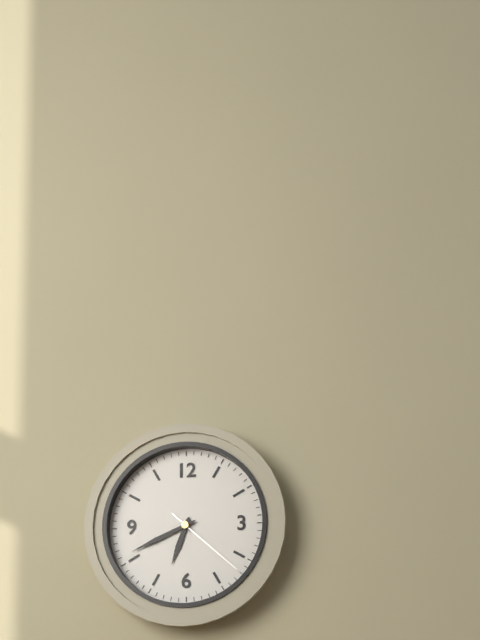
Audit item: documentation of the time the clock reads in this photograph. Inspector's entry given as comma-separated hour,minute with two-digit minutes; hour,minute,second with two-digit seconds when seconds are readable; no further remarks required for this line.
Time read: 6,41,22
